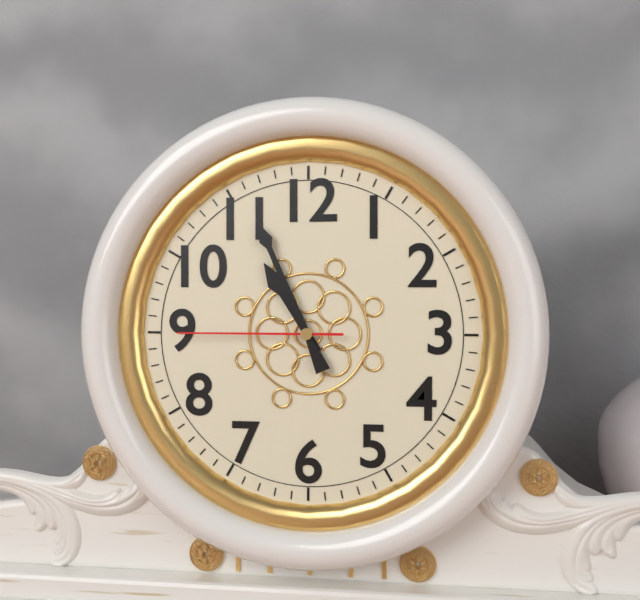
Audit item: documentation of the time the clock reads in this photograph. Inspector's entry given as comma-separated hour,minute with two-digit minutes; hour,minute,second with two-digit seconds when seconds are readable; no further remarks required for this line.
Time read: 10,56,45
